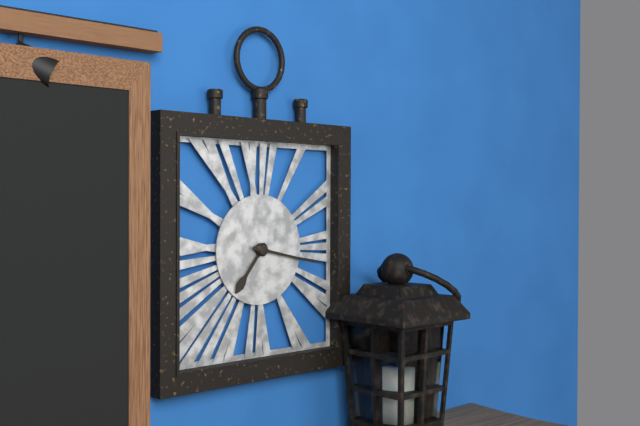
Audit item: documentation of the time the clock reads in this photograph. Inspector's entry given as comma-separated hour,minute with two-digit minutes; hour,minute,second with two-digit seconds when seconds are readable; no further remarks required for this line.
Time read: 7,17
